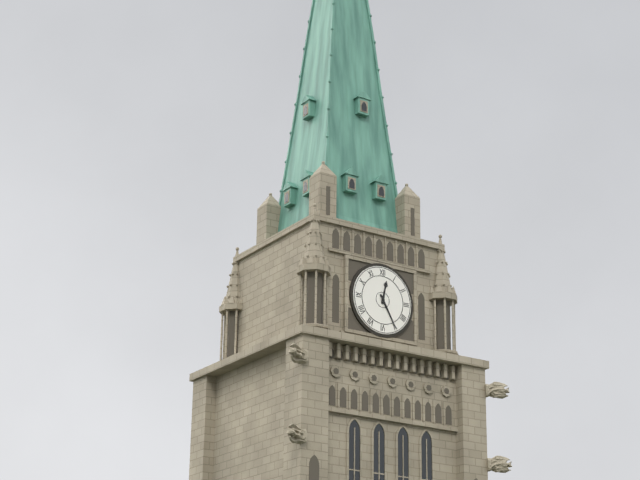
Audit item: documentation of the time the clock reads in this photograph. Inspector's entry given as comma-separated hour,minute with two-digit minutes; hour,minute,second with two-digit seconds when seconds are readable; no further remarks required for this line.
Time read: 12,25
